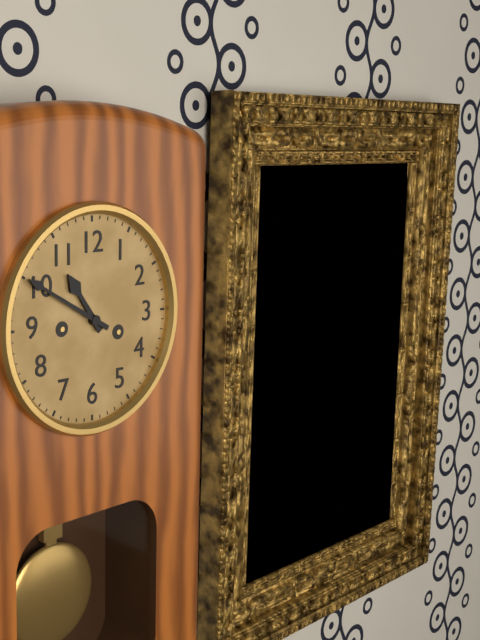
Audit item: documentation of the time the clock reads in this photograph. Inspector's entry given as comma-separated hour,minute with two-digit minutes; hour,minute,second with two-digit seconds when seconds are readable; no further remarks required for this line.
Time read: 10,50
